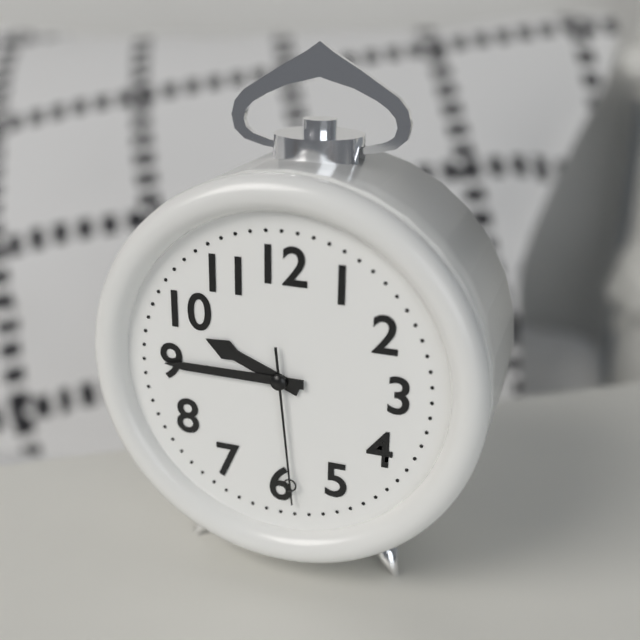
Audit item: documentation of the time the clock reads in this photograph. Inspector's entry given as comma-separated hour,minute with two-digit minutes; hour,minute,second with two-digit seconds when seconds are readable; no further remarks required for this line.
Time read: 9,45,29
